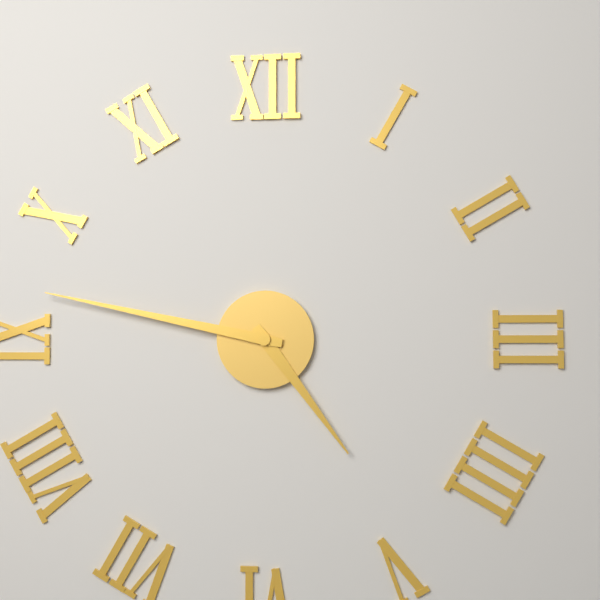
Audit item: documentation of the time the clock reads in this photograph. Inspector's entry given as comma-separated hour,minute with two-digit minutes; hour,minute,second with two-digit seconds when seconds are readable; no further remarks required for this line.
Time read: 4,47
